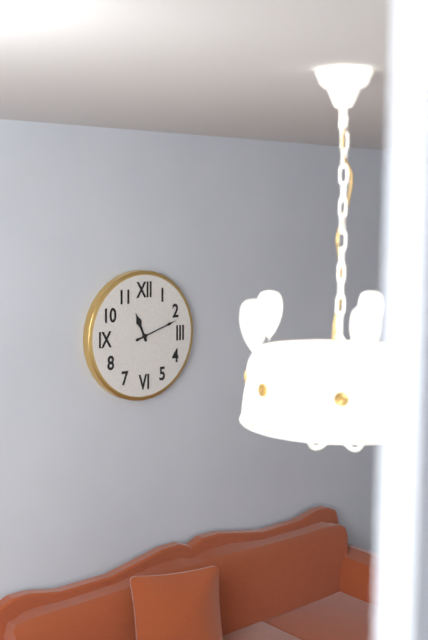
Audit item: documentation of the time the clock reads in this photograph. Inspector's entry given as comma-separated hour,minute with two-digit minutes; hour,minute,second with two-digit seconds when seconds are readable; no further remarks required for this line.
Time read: 11,12
